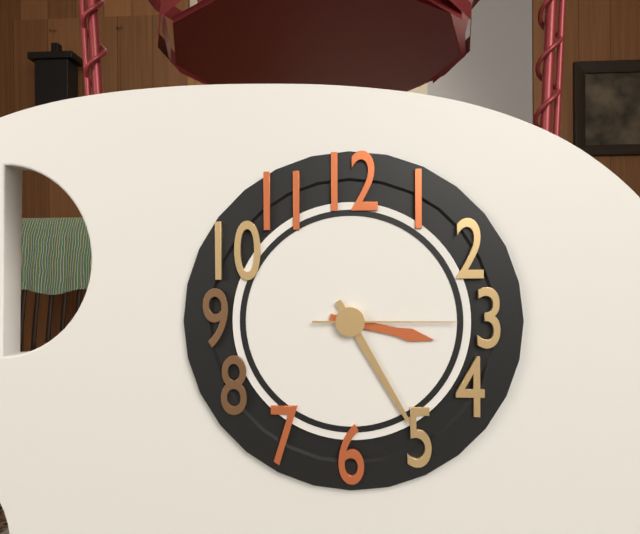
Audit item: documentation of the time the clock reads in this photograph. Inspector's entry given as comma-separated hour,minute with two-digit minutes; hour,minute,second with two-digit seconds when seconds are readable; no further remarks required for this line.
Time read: 3,25,15
